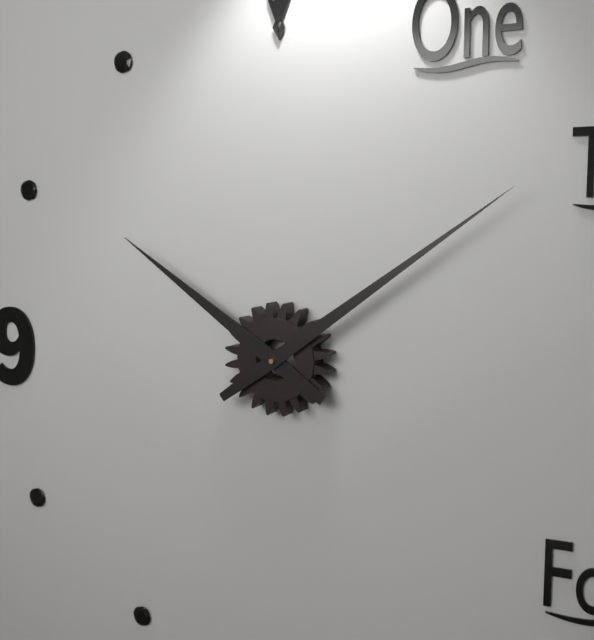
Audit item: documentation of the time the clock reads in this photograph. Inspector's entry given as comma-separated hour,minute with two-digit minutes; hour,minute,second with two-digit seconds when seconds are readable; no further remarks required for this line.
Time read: 10,09
